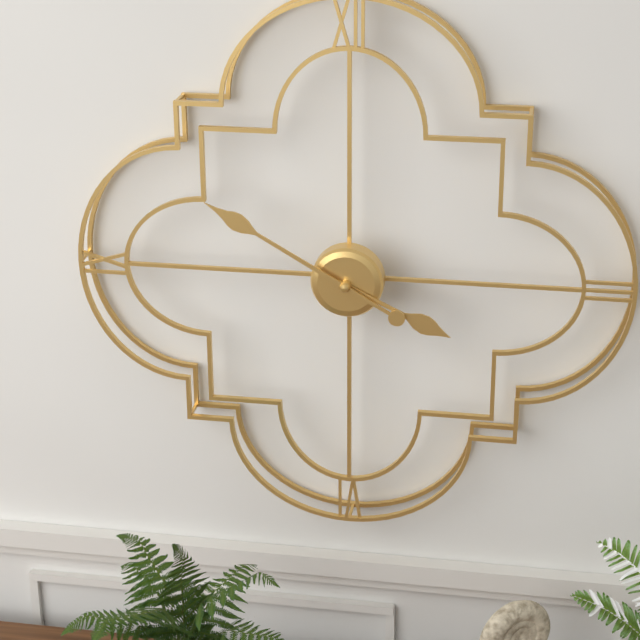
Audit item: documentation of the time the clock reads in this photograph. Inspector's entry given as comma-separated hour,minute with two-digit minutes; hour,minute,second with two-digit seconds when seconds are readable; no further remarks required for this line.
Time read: 3,50
